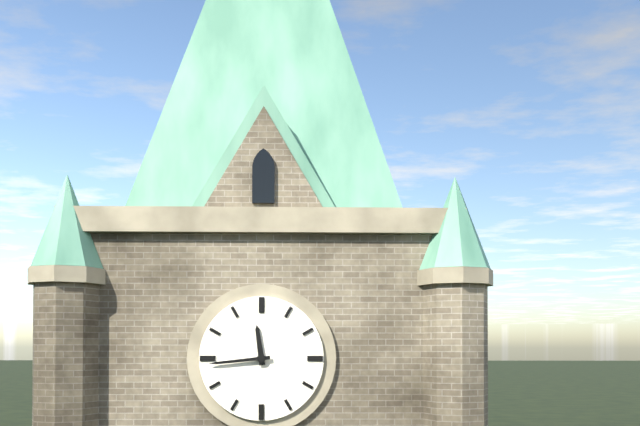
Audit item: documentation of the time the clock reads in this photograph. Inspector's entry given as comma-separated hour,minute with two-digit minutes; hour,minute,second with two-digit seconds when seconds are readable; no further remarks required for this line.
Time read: 11,44
